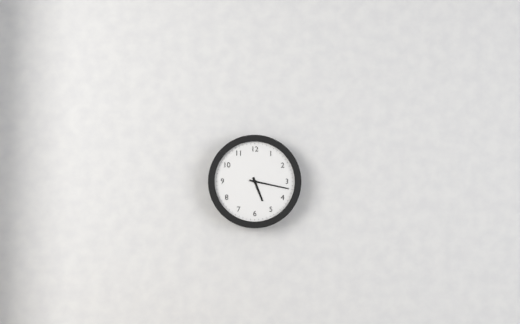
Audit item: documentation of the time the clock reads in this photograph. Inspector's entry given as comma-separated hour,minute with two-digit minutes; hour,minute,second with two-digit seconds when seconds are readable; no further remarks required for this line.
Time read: 5,17
